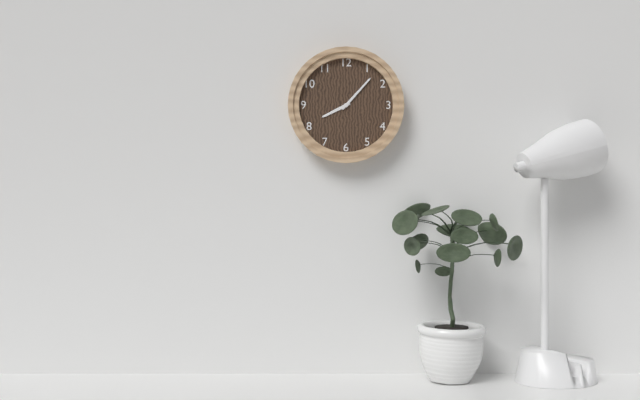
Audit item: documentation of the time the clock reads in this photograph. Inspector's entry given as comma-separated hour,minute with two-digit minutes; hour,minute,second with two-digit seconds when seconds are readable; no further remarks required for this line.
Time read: 8,07
